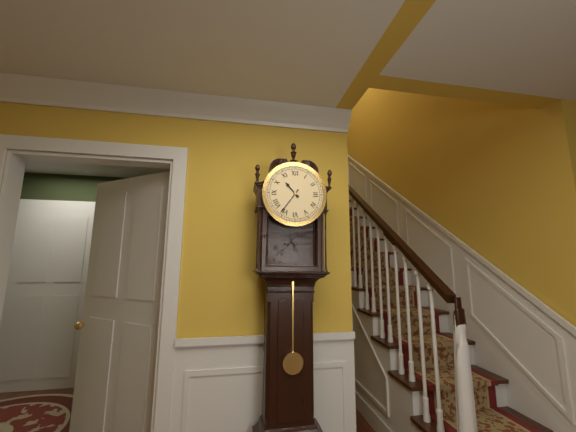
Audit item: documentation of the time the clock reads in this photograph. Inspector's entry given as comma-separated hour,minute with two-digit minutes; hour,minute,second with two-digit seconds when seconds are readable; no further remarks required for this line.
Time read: 10,36
